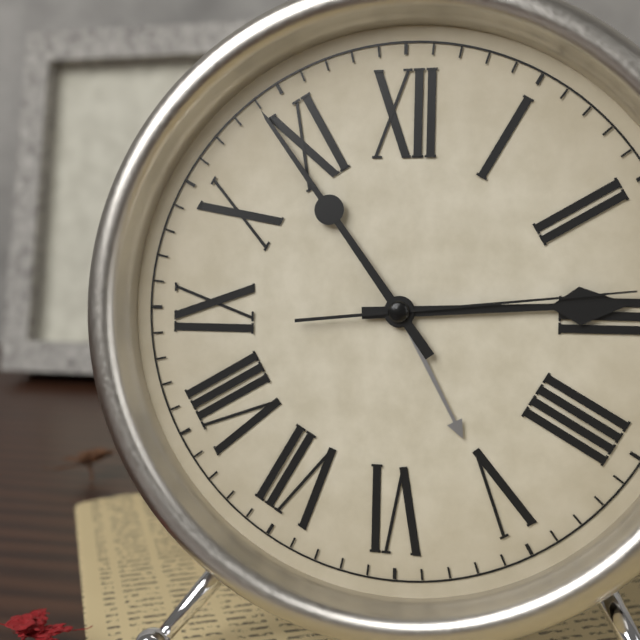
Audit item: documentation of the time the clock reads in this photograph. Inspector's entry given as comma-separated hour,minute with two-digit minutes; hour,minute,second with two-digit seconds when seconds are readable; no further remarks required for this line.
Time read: 2,54,14
